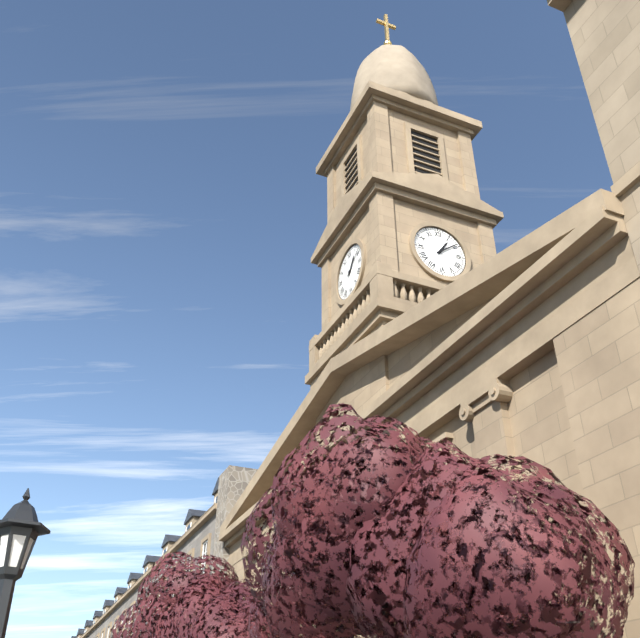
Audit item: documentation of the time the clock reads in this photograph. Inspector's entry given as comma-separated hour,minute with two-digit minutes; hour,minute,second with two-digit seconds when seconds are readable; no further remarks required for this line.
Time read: 1,09
